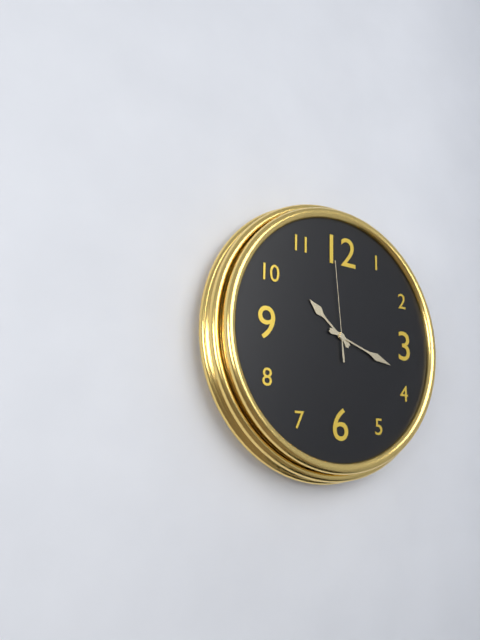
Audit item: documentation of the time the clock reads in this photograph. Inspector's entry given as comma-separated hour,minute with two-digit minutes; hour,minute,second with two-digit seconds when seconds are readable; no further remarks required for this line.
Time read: 10,18,59
